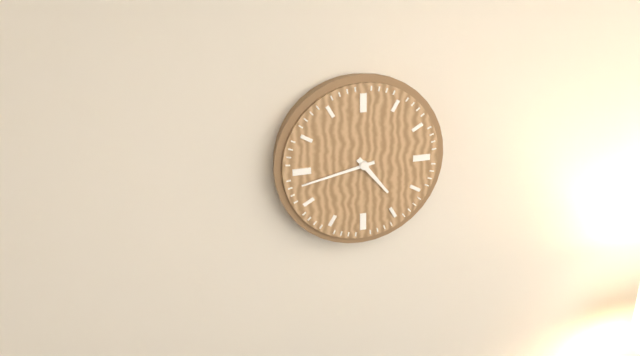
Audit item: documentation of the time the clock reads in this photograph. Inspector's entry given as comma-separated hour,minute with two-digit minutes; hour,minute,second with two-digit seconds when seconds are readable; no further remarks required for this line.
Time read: 4,43
